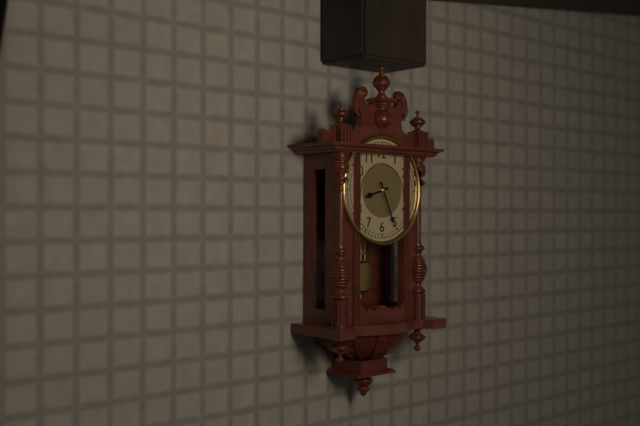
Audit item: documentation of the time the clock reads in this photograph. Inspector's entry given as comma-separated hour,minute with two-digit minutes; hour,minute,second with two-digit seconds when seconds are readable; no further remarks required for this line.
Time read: 8,26
